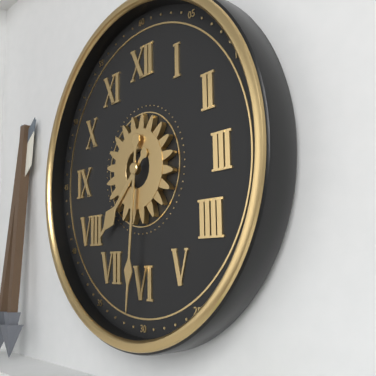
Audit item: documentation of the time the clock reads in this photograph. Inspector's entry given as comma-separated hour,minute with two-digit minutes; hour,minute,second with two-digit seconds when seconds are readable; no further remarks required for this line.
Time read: 7,31
